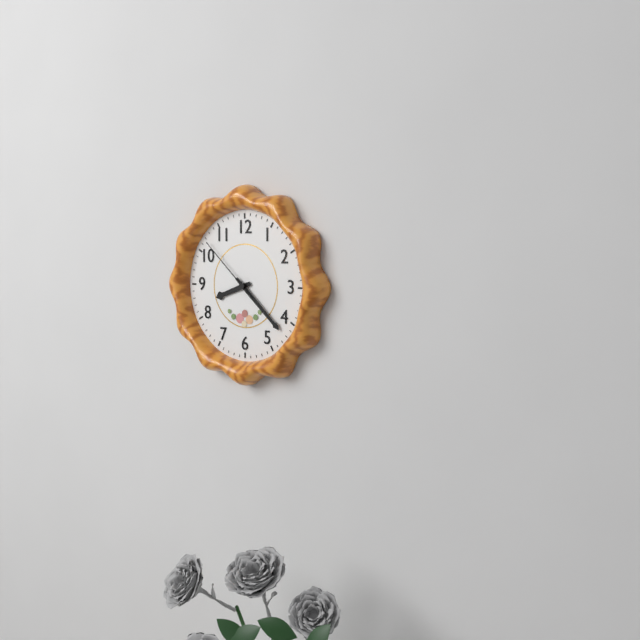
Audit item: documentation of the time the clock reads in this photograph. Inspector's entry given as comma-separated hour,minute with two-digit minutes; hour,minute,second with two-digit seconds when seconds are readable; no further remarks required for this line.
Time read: 8,22,52
